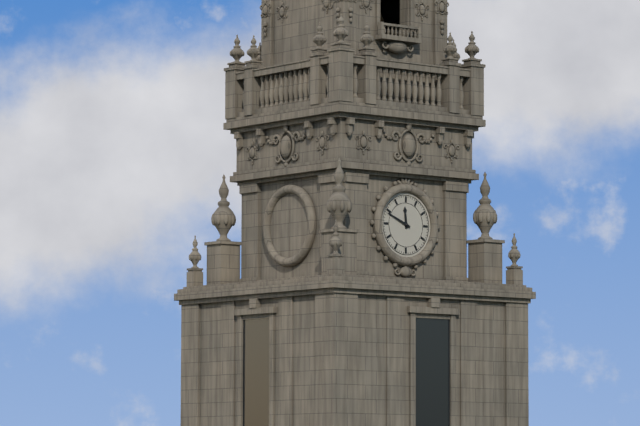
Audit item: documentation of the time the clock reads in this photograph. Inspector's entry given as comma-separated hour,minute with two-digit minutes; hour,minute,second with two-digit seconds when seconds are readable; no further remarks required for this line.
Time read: 11,49
